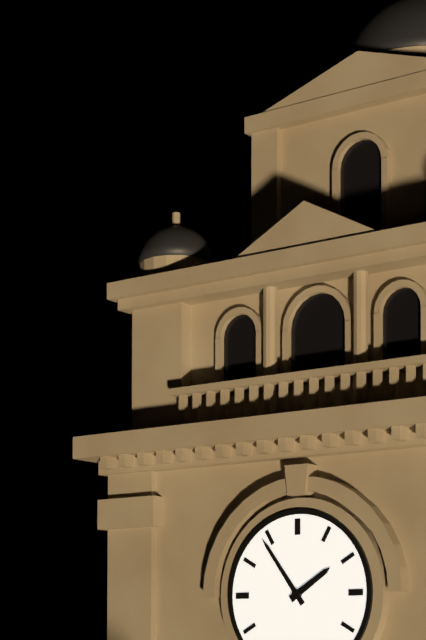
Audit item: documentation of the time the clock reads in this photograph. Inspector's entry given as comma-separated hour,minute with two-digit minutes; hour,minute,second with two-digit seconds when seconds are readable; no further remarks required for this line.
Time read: 1,54
